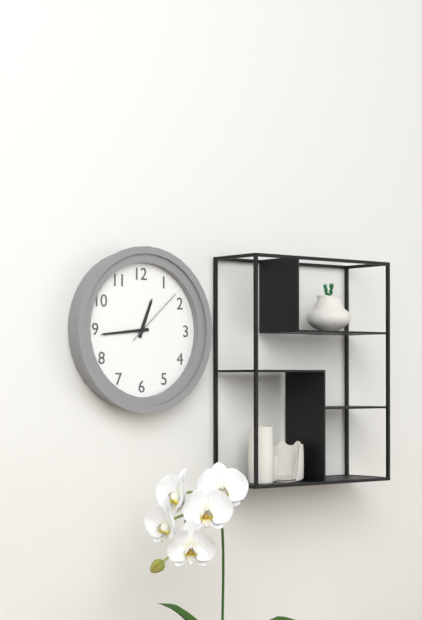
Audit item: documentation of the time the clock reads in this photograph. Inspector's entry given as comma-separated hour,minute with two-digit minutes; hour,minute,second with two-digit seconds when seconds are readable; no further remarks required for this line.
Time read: 12,44,08
